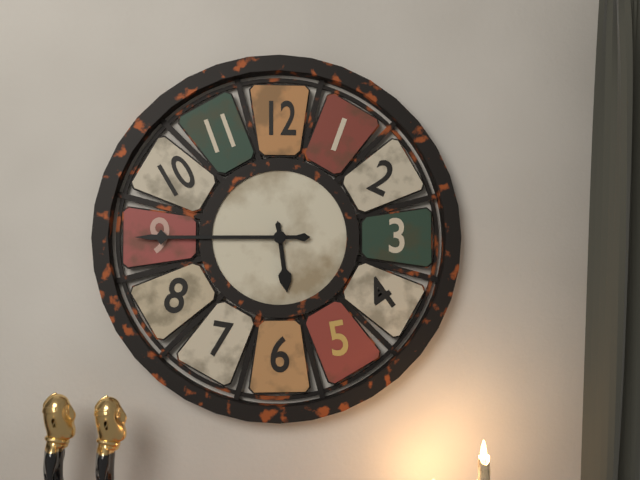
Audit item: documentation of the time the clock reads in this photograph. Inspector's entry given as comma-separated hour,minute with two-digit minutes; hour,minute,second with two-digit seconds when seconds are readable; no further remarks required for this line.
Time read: 5,45
